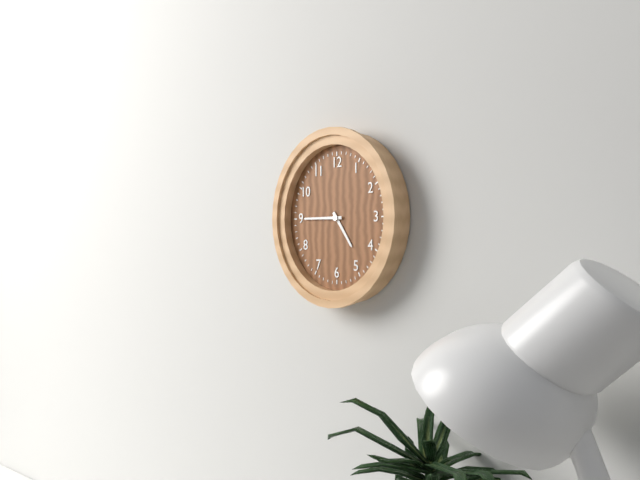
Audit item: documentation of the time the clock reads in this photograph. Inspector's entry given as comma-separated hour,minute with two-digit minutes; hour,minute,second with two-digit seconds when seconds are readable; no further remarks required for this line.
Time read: 4,45
